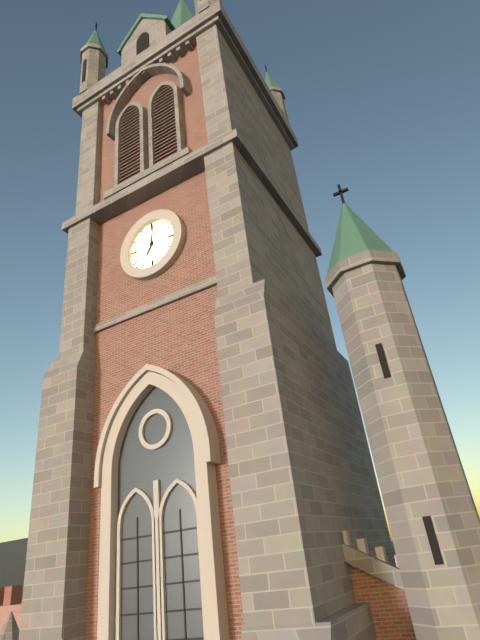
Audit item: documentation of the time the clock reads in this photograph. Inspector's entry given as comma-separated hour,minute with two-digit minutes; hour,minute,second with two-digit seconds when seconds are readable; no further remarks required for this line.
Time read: 7,01
